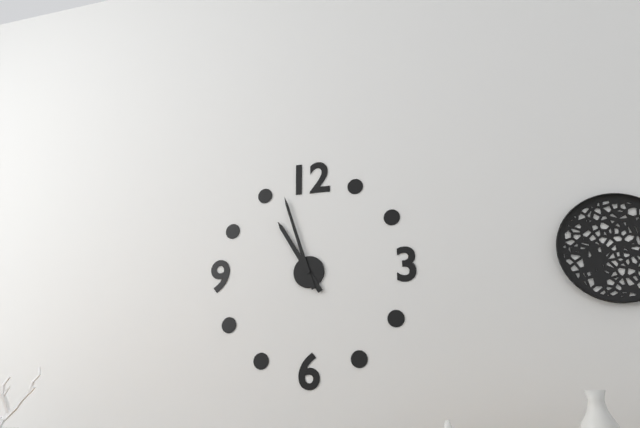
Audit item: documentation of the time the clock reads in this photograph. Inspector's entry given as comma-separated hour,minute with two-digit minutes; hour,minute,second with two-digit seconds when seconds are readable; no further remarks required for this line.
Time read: 10,57
